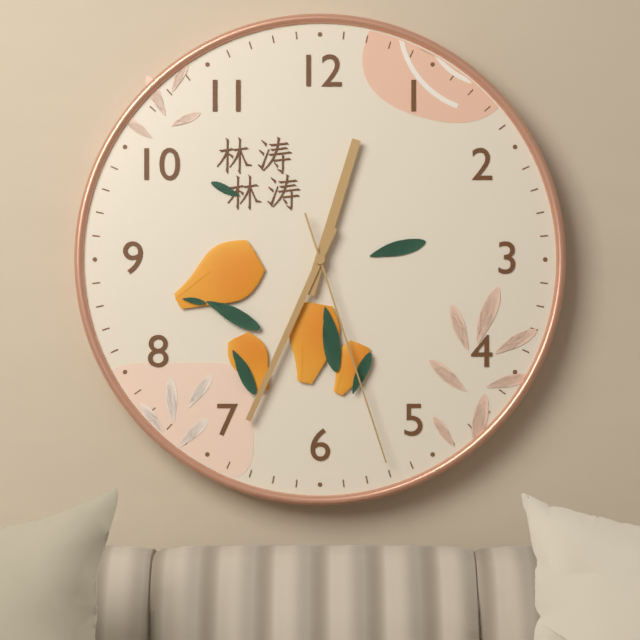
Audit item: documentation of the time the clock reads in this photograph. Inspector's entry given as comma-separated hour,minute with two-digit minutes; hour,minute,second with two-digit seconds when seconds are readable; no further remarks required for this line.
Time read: 12,34,27
